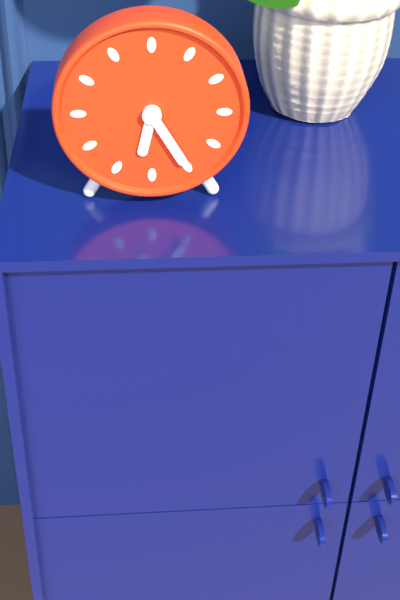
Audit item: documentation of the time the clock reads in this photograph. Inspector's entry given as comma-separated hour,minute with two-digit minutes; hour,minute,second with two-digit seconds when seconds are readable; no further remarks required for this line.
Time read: 6,25
